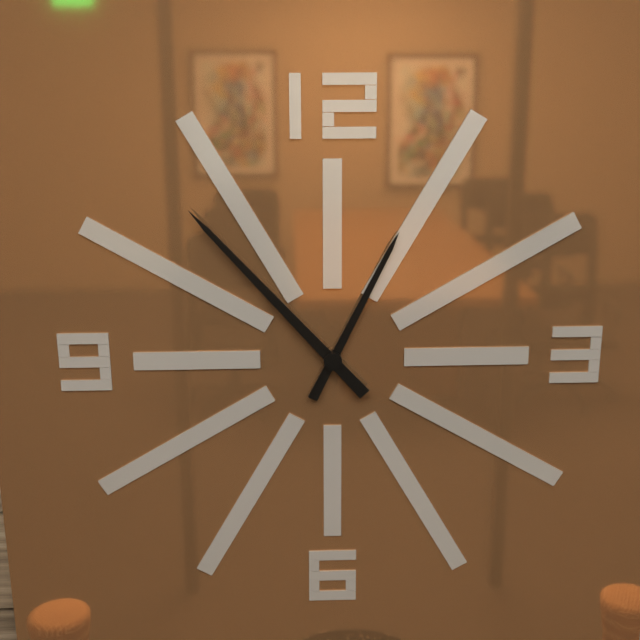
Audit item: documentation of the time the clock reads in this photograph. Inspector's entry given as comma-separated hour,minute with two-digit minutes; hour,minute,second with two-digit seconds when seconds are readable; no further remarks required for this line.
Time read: 12,53
